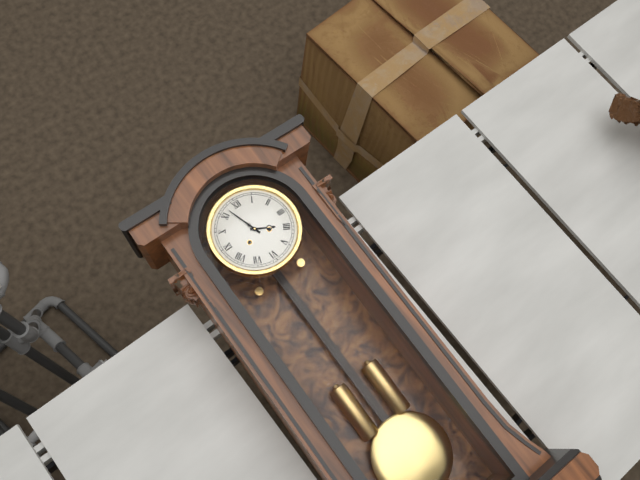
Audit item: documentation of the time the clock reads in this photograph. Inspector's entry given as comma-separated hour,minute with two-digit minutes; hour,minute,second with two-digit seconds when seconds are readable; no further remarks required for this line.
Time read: 3,57
